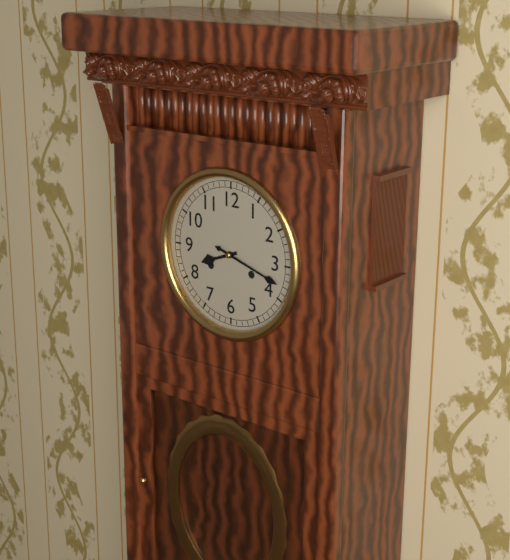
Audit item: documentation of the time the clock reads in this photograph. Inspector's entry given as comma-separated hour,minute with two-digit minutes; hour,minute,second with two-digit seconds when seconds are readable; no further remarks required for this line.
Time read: 8,18
